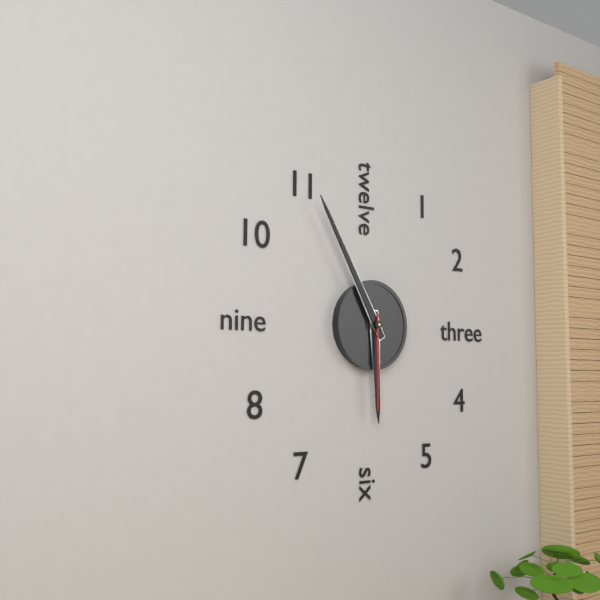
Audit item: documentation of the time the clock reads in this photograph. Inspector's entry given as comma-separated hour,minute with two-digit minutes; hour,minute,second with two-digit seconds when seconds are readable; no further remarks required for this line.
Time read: 5,55,30
